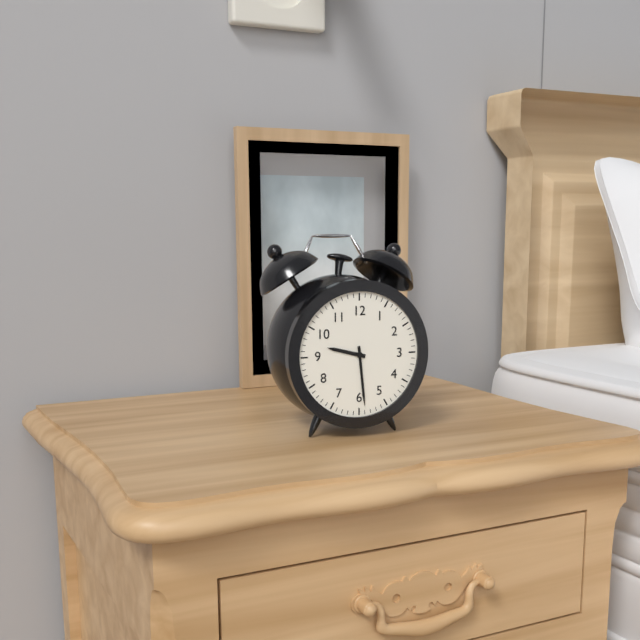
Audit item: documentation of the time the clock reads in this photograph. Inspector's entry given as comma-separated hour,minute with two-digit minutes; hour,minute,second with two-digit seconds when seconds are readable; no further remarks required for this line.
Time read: 9,29
